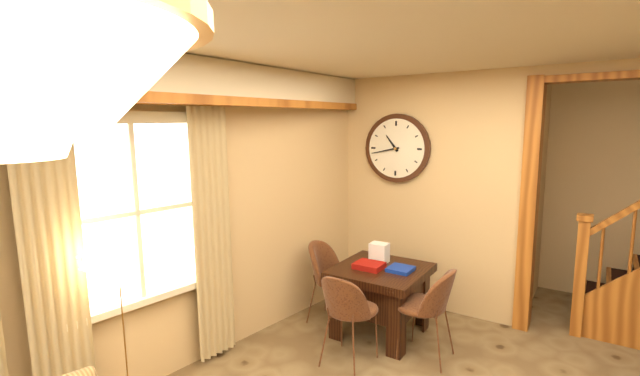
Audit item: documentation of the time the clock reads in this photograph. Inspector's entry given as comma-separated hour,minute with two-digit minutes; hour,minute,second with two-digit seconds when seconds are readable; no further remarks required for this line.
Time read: 10,43
